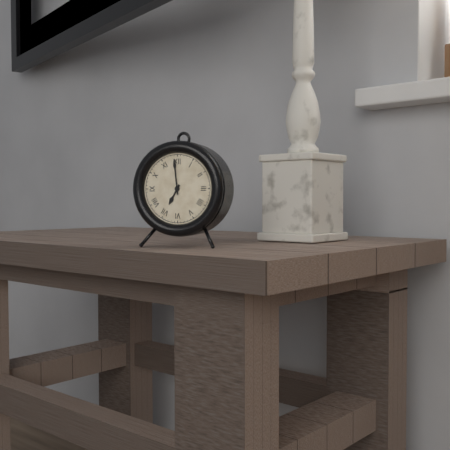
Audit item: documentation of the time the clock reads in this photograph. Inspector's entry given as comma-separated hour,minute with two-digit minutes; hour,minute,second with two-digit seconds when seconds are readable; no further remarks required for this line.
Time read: 6,59
